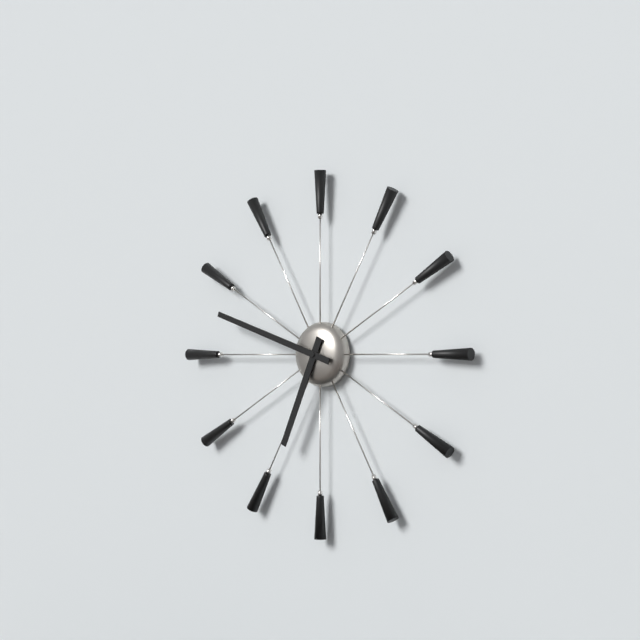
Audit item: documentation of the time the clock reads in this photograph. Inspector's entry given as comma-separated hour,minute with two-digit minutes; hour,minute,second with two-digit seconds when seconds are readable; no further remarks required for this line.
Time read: 6,48
